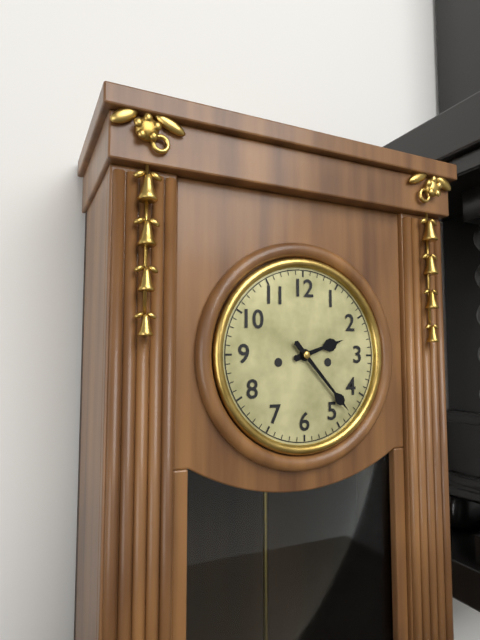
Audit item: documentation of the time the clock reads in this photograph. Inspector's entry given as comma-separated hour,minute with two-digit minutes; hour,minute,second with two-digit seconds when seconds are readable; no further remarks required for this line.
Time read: 2,23
